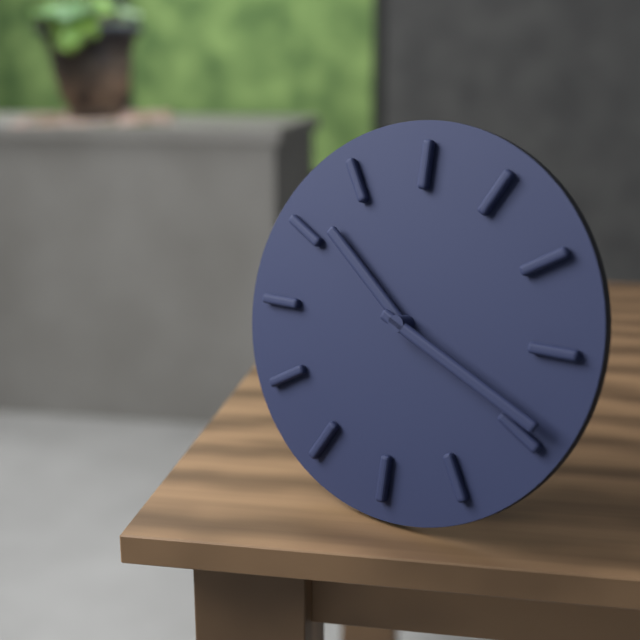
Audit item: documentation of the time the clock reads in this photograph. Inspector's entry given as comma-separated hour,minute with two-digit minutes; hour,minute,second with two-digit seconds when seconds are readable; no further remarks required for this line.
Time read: 10,19
